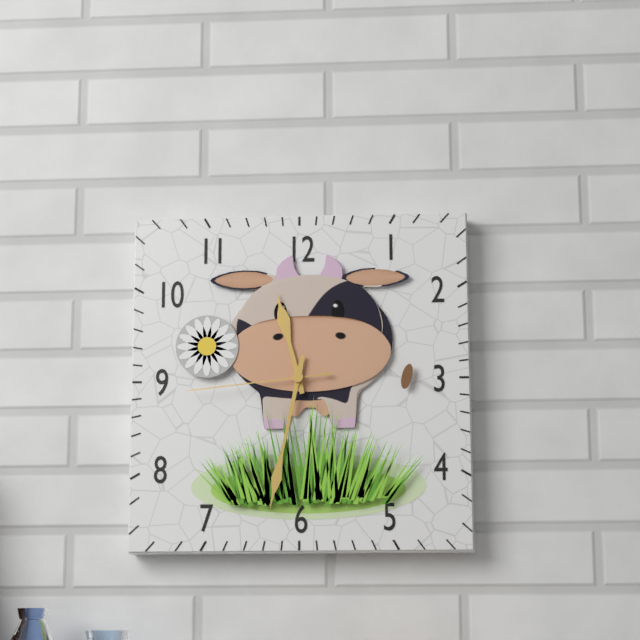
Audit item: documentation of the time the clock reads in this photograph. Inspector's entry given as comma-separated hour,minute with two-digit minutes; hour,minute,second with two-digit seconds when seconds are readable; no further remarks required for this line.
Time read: 11,32,44
